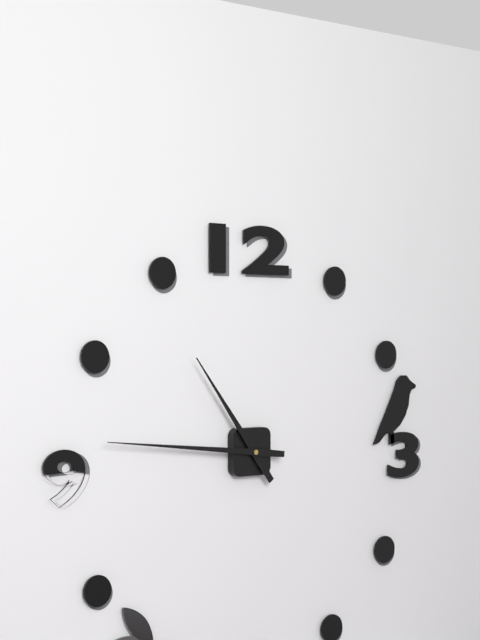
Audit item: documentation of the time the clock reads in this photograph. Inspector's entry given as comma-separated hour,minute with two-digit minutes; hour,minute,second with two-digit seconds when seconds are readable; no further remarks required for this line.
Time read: 10,46
